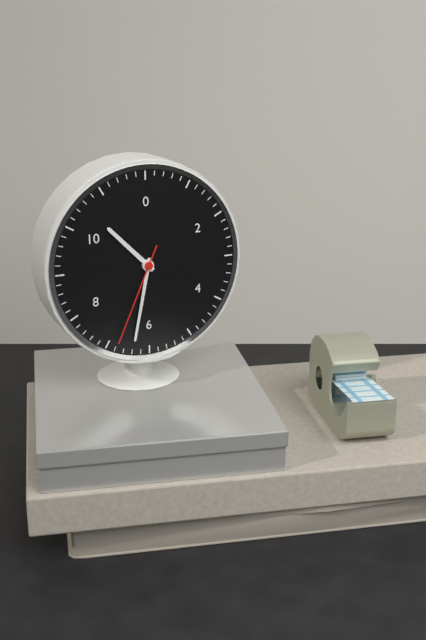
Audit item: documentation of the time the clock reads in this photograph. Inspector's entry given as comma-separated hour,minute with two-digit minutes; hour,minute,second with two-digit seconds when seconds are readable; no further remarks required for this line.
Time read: 10,32,34
